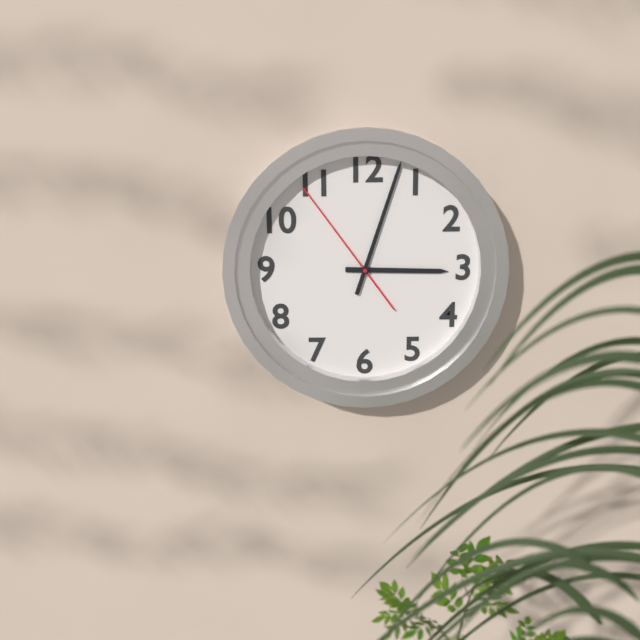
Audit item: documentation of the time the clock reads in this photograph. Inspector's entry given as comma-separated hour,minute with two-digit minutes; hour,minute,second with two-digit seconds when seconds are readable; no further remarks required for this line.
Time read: 3,03,54
